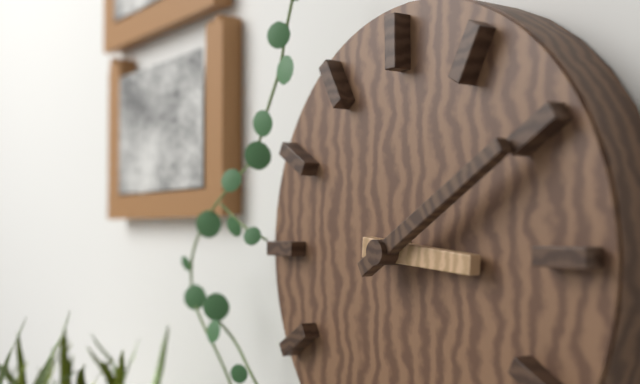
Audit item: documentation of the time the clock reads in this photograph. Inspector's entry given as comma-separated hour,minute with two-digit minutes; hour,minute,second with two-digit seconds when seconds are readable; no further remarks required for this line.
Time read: 3,10
